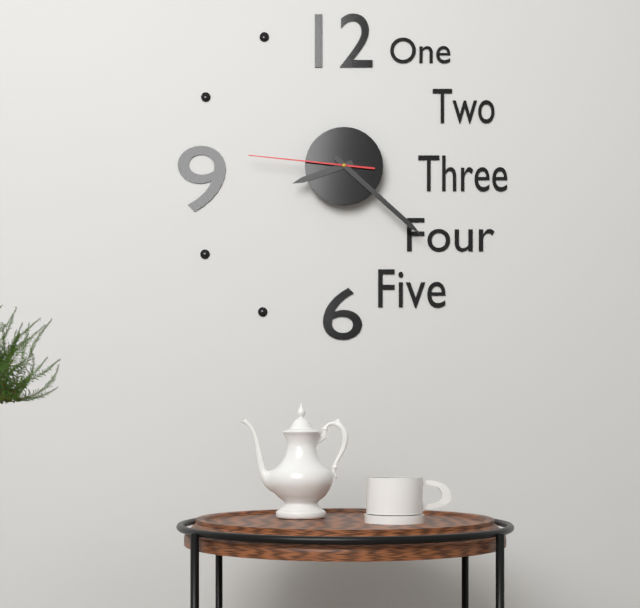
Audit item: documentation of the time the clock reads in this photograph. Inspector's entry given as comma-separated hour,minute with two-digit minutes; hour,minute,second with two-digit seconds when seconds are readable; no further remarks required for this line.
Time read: 8,22,46
